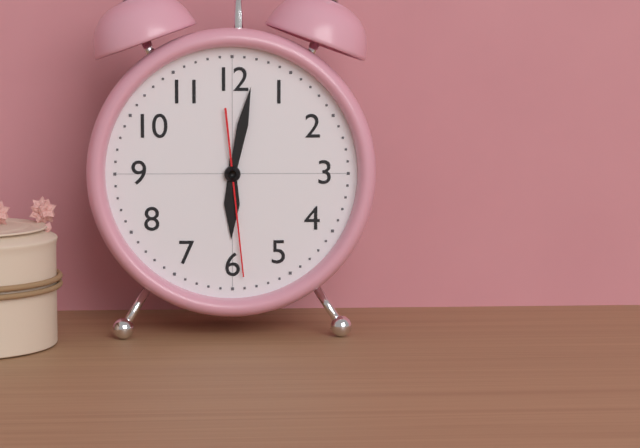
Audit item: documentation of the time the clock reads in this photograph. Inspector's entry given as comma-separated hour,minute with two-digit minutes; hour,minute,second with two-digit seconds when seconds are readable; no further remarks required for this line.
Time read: 6,02,29
